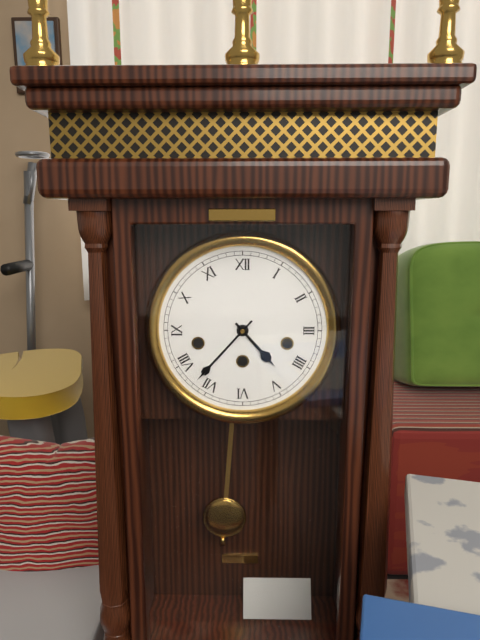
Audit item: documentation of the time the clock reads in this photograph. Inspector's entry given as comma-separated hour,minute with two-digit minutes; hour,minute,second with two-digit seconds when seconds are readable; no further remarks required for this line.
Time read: 4,37
